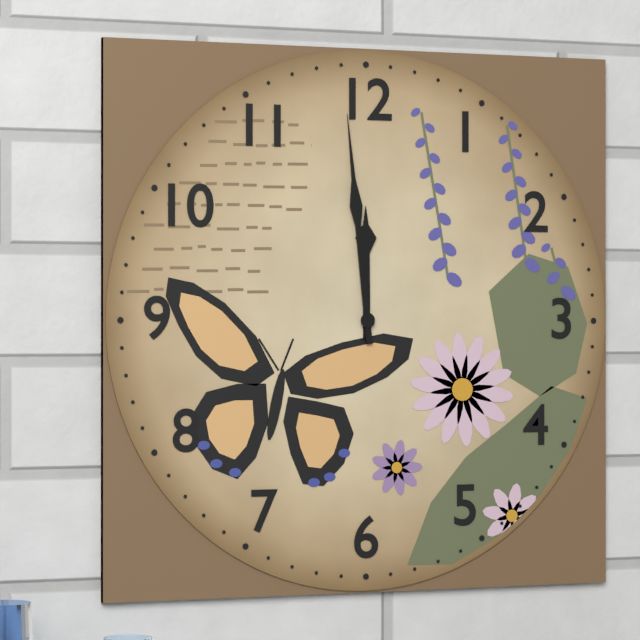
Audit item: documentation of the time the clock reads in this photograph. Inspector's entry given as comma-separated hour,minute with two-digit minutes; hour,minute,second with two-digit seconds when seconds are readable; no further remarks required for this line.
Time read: 11,59
